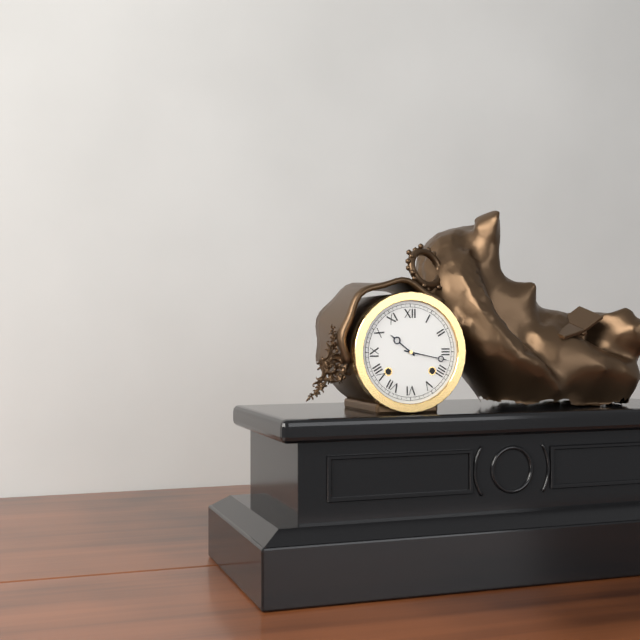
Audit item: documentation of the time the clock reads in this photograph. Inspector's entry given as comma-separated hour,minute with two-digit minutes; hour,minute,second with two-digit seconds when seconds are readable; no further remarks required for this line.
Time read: 10,17
